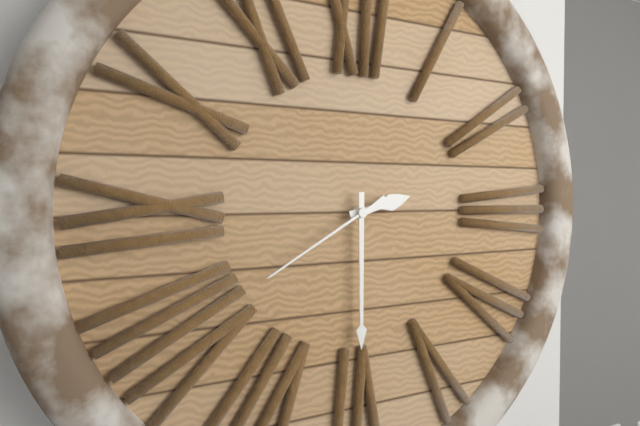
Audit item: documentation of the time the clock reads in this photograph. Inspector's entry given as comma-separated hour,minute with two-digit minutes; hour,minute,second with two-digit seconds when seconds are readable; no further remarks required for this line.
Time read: 2,30,40
